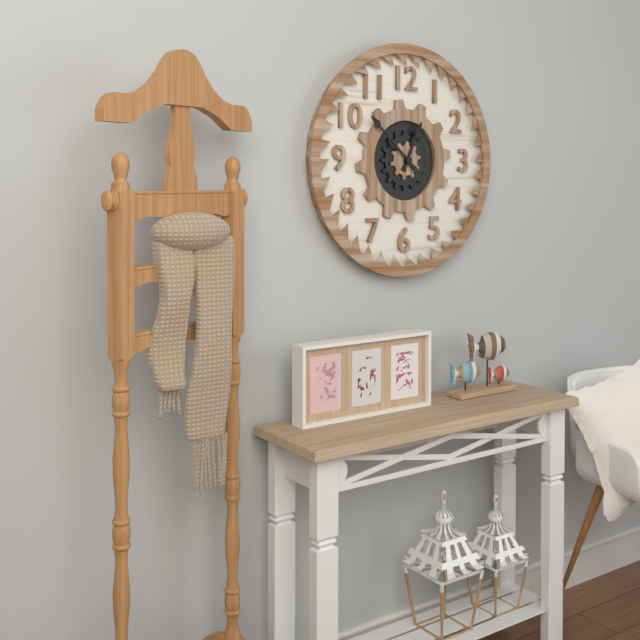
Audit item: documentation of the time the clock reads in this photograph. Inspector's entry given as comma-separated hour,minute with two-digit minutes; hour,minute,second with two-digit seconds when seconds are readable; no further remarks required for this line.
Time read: 12,52
